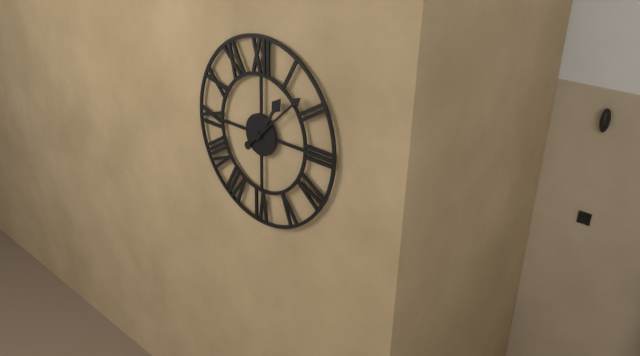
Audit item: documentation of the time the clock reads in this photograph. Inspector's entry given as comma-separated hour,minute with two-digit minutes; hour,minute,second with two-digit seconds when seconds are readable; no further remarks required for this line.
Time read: 1,08
